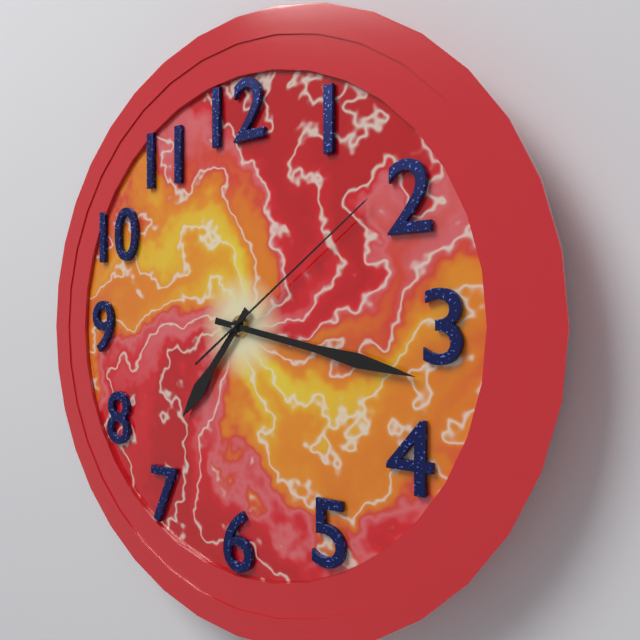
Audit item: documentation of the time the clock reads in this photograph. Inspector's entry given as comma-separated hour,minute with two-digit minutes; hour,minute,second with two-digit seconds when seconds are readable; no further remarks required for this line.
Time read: 7,17,09
